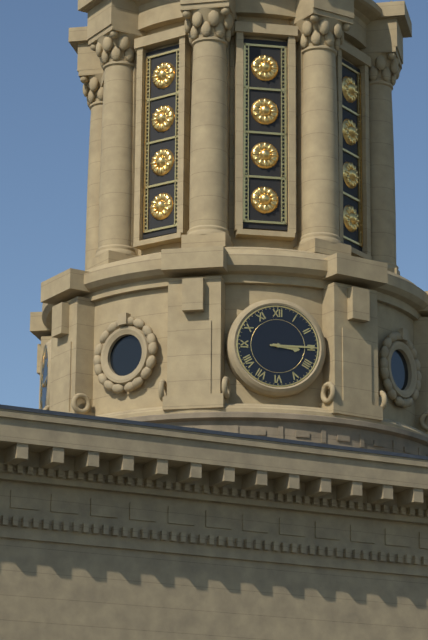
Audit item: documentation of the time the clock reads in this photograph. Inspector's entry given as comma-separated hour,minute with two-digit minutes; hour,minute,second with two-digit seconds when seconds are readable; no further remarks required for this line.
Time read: 3,15
